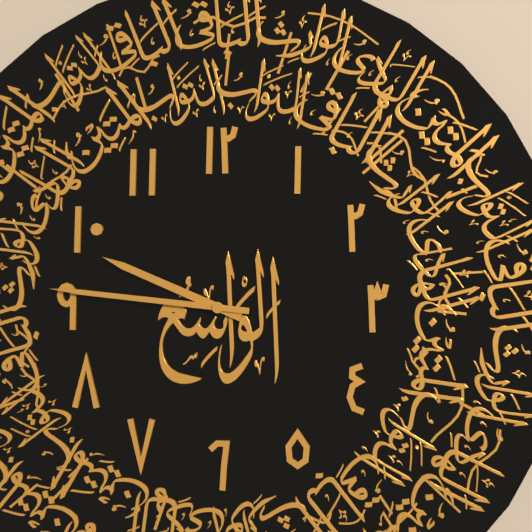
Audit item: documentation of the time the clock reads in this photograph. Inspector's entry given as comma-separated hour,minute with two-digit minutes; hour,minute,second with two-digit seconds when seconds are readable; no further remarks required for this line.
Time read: 9,46
